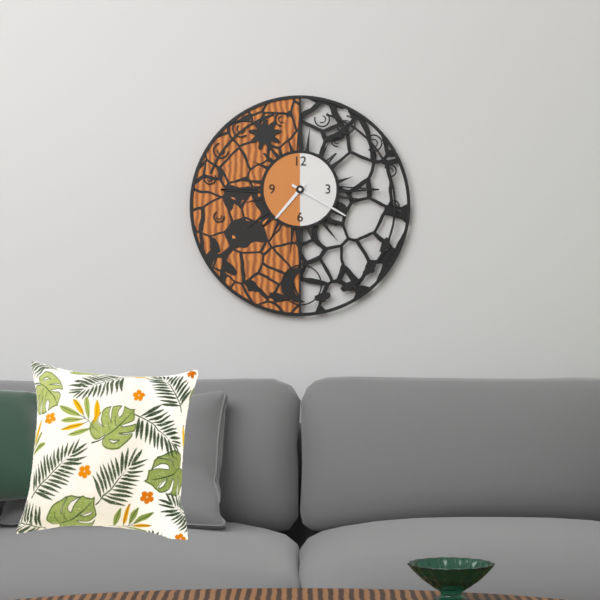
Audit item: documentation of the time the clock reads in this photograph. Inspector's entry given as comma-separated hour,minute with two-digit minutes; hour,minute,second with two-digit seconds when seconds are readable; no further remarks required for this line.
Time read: 7,20
